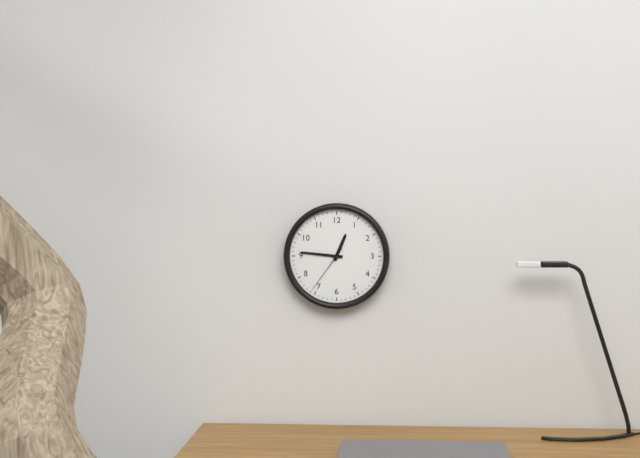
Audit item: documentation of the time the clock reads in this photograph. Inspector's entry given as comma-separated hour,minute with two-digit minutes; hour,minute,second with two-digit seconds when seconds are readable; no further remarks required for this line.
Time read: 12,46,36
